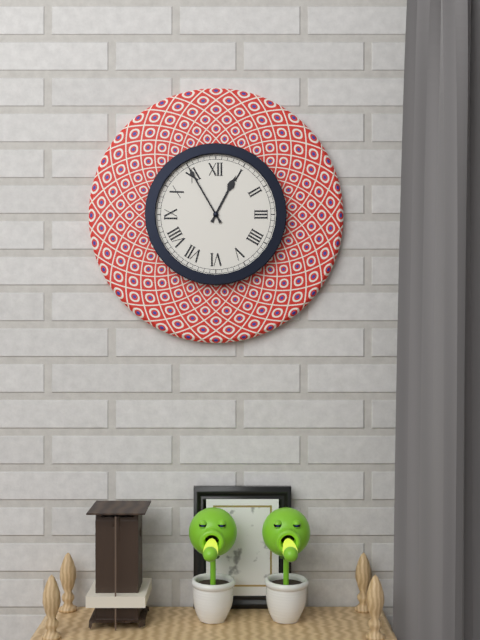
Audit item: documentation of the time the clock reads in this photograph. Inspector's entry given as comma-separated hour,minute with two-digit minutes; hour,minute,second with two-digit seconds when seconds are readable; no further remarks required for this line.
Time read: 12,55
